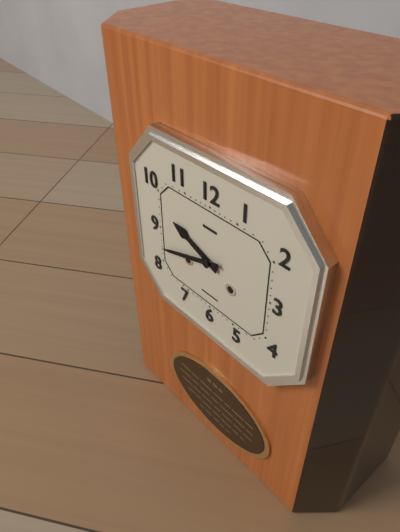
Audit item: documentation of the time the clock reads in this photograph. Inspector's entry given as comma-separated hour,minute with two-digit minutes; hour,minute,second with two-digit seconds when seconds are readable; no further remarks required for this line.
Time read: 9,42
